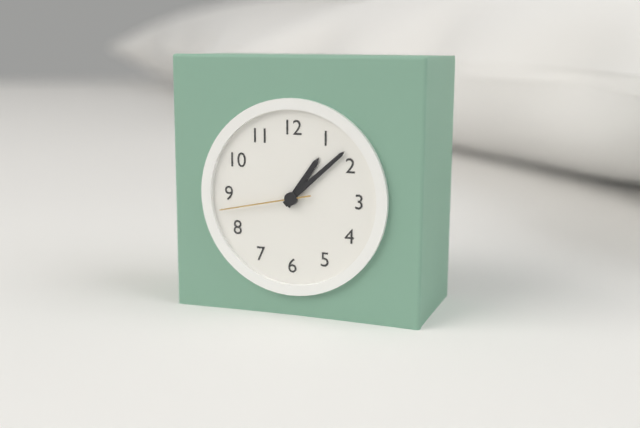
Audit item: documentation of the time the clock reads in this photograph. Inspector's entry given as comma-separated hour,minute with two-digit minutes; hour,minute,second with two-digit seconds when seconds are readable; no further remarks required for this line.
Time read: 1,08,43
